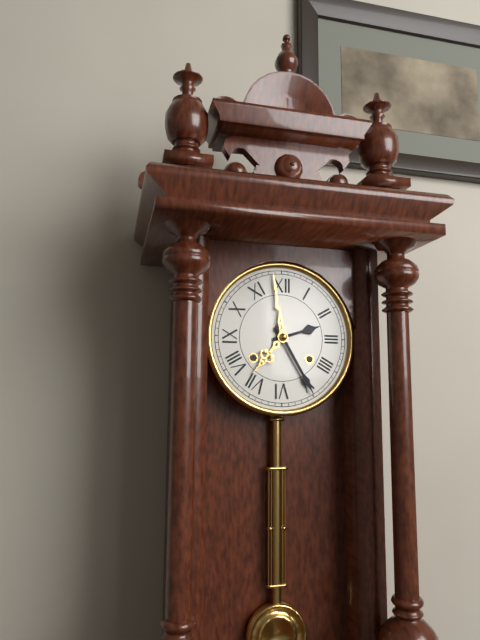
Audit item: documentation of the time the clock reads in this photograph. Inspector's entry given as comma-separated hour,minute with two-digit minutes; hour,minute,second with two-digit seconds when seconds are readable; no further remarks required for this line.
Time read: 2,25
